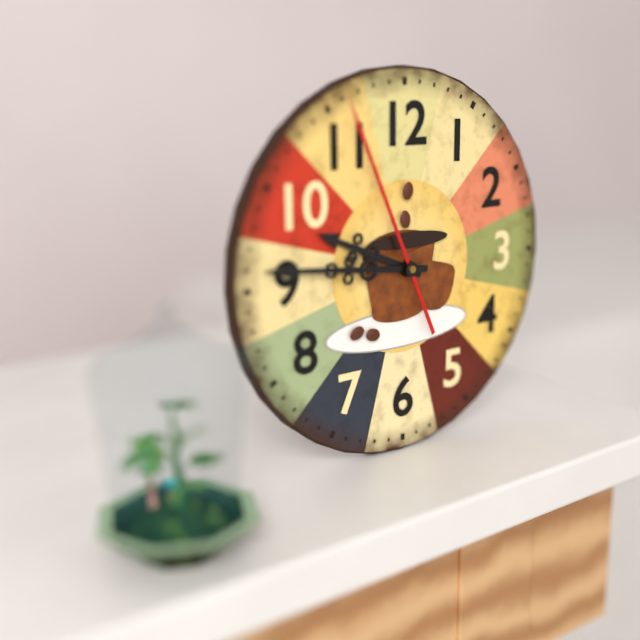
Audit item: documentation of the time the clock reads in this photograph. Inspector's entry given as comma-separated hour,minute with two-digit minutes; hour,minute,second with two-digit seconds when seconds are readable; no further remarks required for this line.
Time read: 9,46,56
